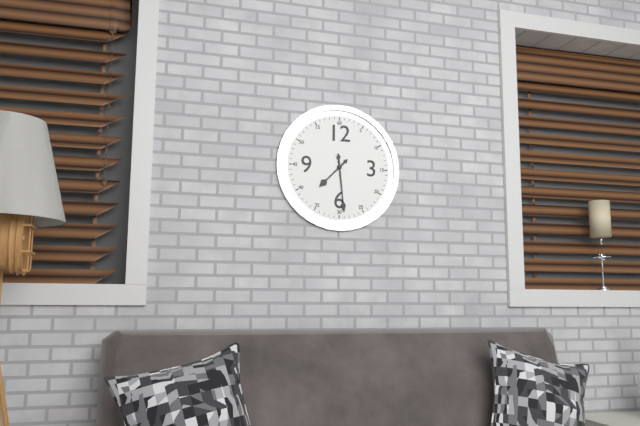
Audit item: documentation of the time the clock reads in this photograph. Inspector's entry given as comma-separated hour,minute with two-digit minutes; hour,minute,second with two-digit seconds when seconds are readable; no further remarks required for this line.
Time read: 7,29
